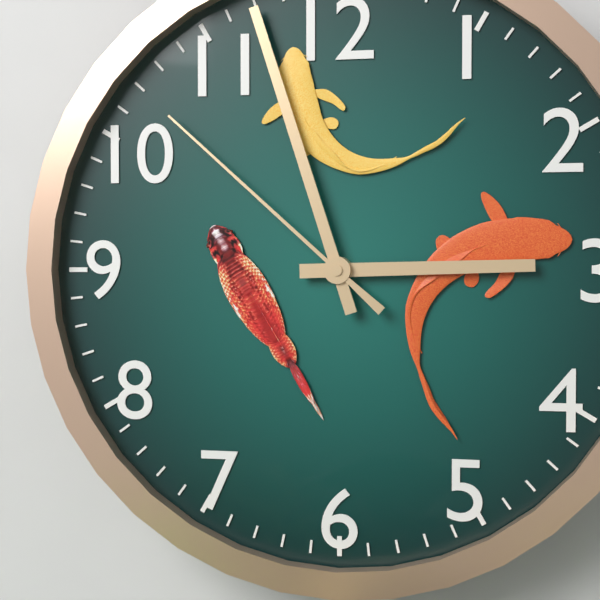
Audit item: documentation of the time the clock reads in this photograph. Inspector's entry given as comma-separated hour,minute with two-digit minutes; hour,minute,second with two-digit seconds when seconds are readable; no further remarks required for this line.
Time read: 2,57,52
